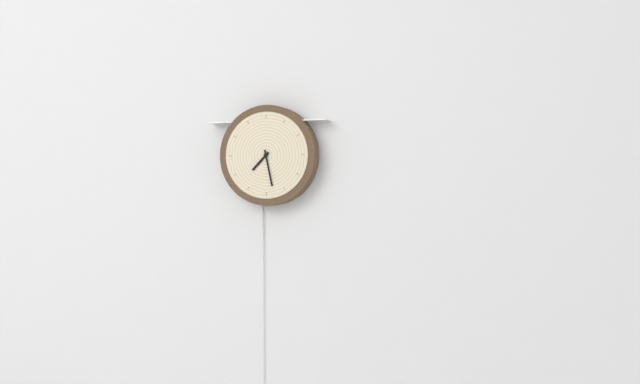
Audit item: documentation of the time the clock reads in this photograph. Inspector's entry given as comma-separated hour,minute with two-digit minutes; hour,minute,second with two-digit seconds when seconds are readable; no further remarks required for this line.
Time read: 7,28
